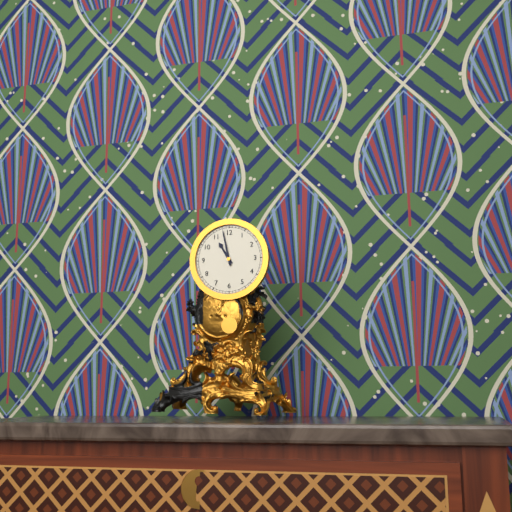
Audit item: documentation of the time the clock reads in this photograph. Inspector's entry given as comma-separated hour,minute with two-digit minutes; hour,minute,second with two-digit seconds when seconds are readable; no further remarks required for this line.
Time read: 10,58
